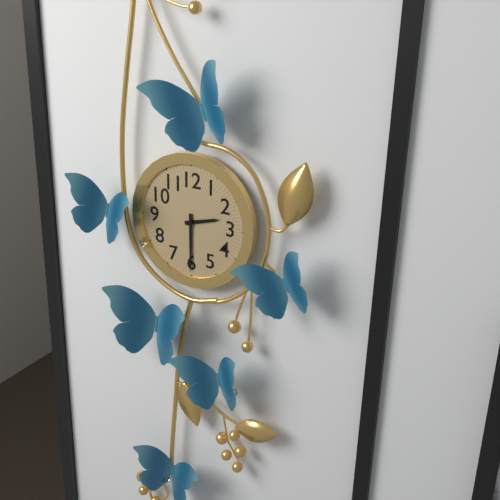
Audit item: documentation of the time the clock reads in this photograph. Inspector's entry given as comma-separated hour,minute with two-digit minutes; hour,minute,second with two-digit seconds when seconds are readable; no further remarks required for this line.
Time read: 2,30
